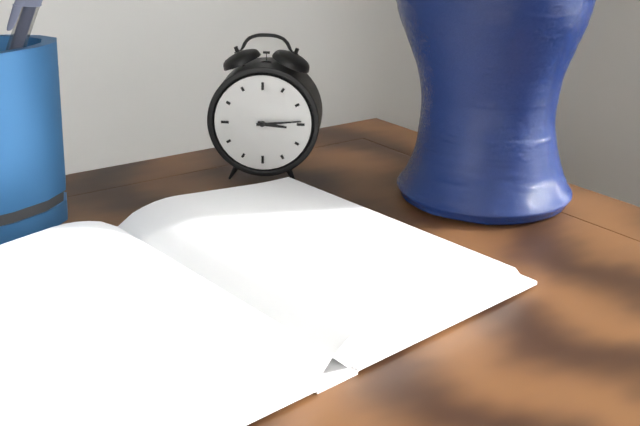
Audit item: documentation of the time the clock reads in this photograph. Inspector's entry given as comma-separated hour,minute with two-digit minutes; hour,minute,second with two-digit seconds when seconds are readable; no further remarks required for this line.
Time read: 3,14
